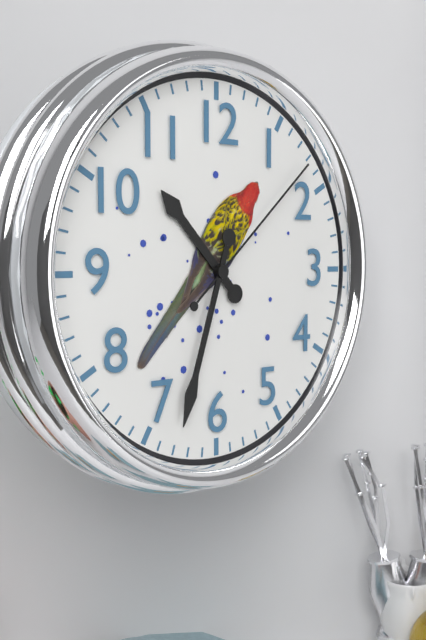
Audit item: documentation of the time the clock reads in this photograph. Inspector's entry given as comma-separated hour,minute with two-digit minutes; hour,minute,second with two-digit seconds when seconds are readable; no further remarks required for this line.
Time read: 10,33,08
